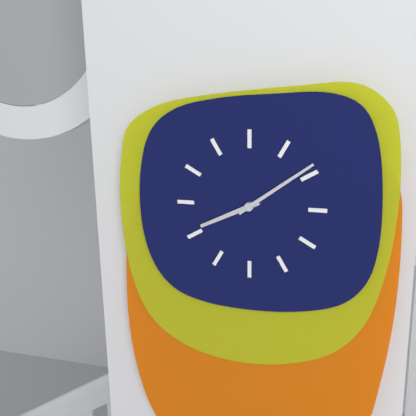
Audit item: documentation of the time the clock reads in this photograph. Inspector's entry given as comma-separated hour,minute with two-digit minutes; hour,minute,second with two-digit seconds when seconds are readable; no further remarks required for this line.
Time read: 8,09
